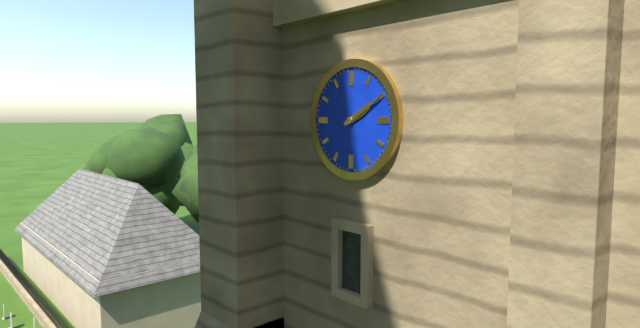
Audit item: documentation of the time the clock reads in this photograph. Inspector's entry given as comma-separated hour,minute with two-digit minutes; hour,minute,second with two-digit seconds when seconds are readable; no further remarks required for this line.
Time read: 2,10
